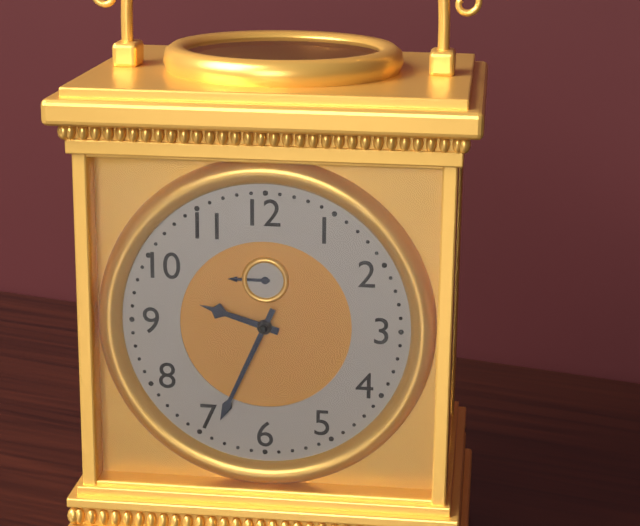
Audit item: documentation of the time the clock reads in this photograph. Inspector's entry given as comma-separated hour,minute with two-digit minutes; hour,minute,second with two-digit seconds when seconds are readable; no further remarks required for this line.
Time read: 9,34
